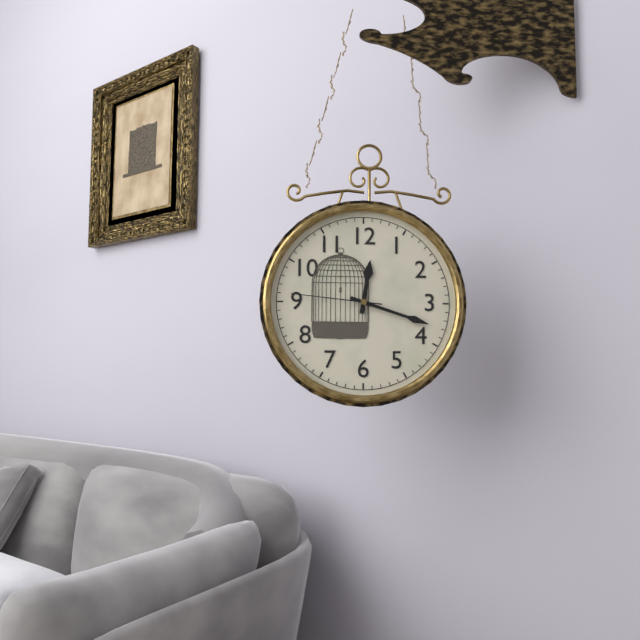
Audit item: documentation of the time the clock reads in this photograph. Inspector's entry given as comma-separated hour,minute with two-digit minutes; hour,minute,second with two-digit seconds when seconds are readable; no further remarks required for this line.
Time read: 12,18,46
